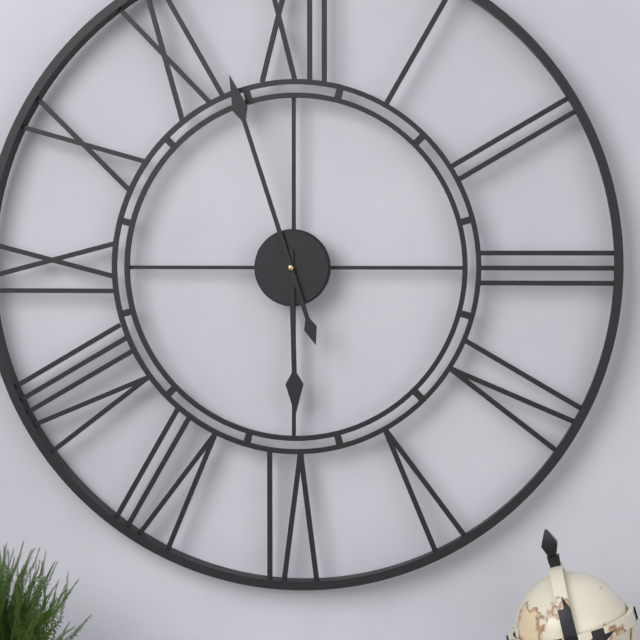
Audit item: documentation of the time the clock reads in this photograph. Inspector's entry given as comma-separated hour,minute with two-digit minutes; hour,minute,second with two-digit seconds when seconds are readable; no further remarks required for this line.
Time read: 5,57
